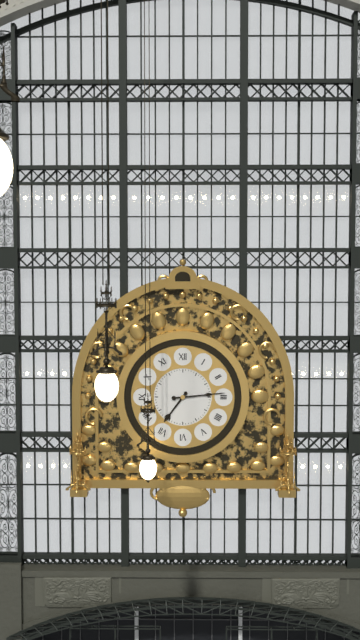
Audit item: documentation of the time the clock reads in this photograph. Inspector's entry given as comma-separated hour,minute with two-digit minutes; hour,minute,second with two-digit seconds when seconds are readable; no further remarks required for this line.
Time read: 7,14
